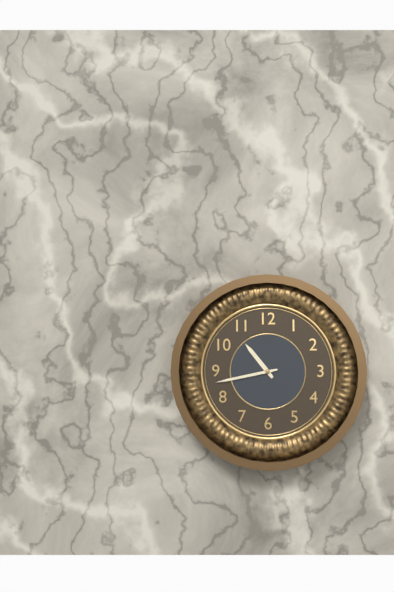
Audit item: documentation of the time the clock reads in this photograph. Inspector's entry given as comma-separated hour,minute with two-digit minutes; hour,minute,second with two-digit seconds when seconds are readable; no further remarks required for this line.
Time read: 10,43
